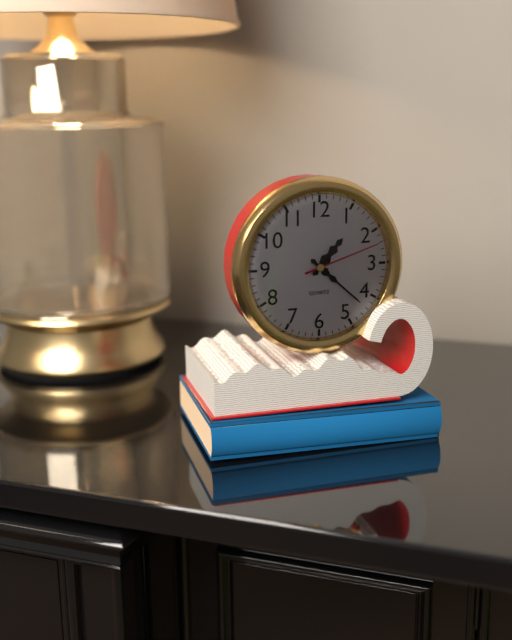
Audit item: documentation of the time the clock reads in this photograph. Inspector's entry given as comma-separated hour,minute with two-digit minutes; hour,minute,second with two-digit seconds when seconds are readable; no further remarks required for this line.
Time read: 1,22,12
